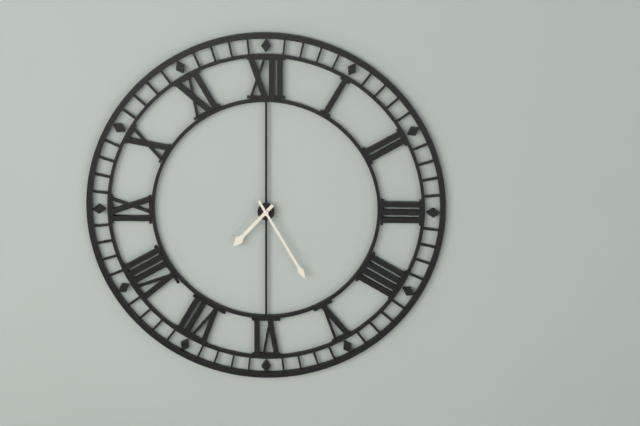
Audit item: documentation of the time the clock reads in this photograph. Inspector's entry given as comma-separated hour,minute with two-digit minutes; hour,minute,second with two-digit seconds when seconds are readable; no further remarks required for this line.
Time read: 7,25
